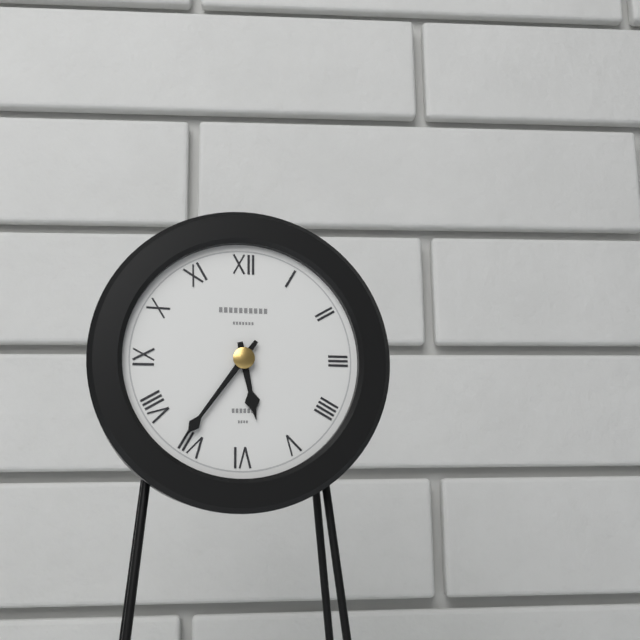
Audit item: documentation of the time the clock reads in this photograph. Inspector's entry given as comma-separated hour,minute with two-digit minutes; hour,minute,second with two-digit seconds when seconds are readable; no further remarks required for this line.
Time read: 5,36
